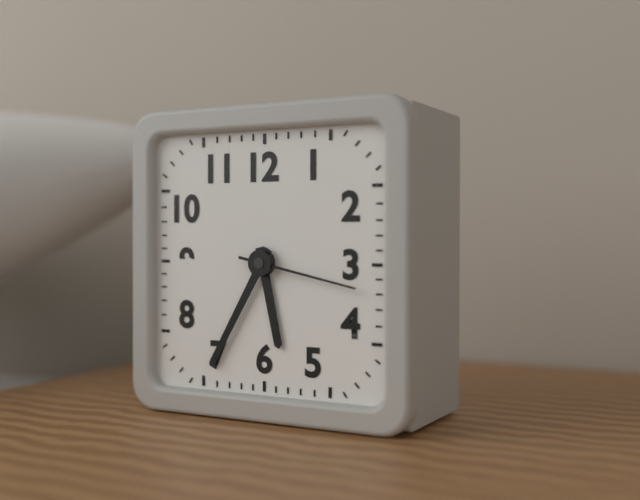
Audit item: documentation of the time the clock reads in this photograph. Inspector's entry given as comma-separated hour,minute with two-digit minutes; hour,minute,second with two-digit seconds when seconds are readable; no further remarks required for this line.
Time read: 5,35,17
